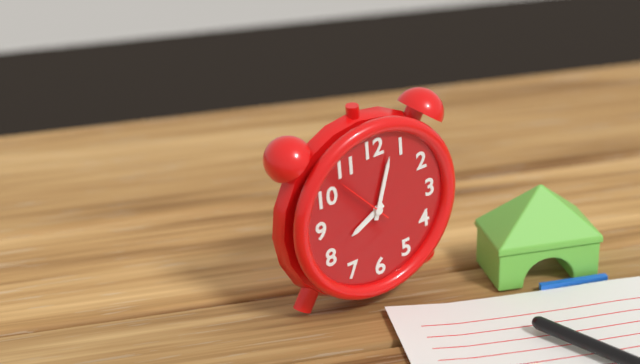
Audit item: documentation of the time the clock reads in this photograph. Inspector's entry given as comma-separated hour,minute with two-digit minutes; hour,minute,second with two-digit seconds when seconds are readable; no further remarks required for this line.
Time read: 8,03,53
